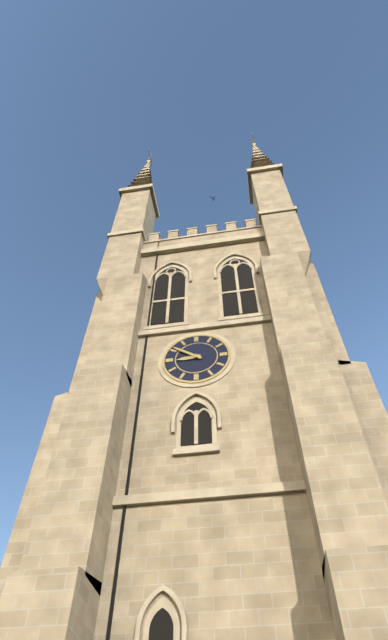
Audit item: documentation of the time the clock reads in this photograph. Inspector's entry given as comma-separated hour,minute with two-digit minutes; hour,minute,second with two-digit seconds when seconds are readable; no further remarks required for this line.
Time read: 8,51
